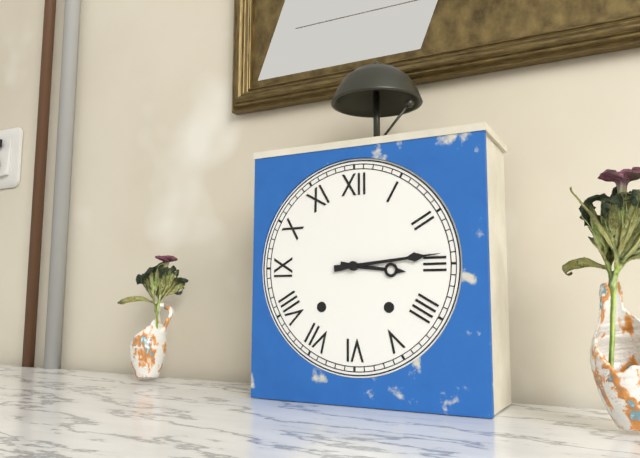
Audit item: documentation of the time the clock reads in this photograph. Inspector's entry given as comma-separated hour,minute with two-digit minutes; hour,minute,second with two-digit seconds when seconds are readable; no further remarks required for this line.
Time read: 3,14
